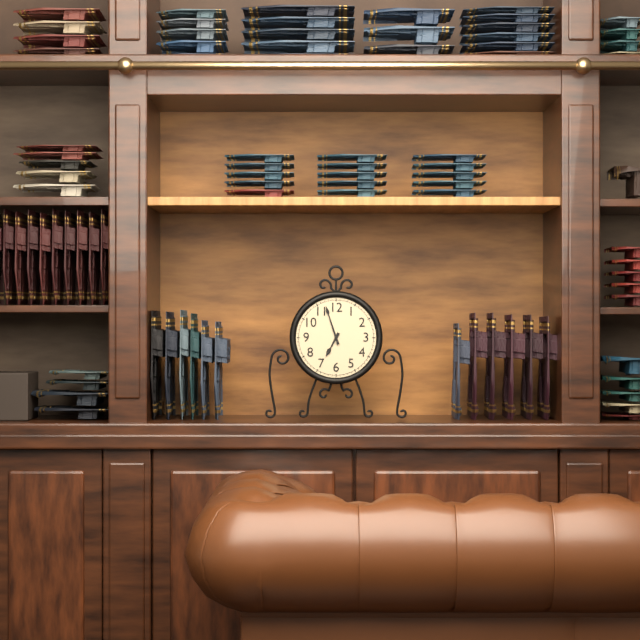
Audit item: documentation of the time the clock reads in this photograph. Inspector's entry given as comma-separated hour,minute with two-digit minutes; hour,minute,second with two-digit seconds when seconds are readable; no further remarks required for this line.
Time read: 6,57
